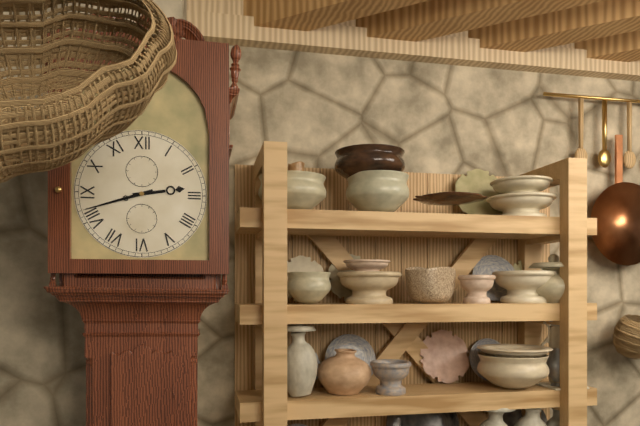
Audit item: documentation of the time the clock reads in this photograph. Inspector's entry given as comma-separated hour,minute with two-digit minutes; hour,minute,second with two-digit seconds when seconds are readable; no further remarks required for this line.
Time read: 2,42
